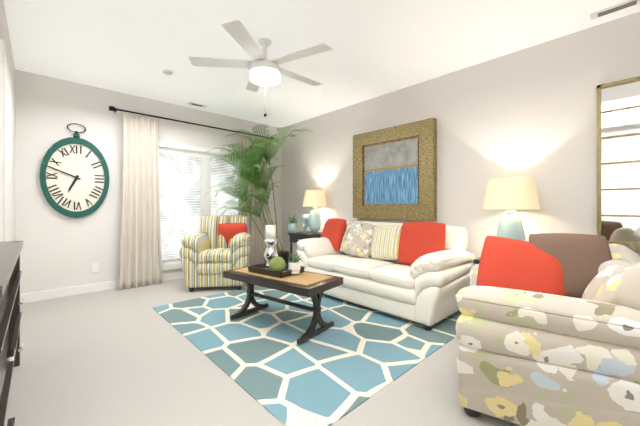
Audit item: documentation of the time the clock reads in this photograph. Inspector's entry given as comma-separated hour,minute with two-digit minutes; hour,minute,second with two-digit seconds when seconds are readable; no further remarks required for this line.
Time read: 6,49
